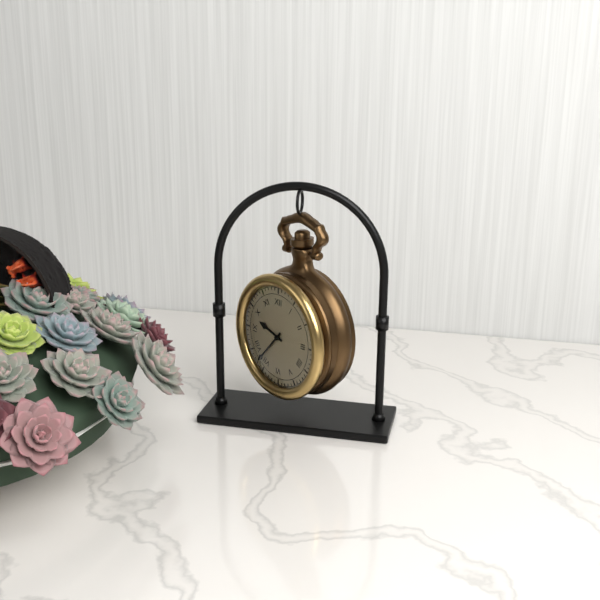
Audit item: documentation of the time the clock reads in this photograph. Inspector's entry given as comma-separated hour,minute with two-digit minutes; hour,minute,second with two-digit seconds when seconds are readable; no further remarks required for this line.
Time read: 9,37
